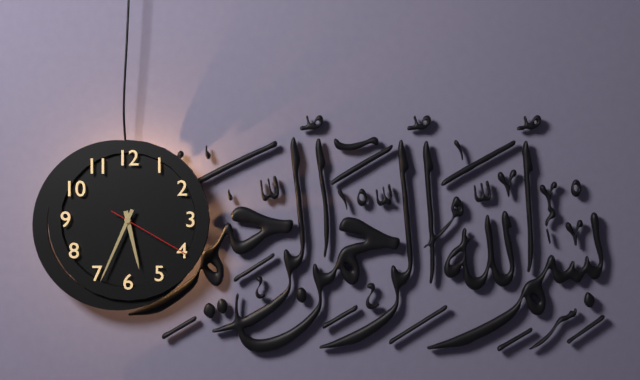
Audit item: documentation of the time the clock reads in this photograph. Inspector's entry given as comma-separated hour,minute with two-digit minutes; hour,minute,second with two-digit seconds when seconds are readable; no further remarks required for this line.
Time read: 5,34,20
